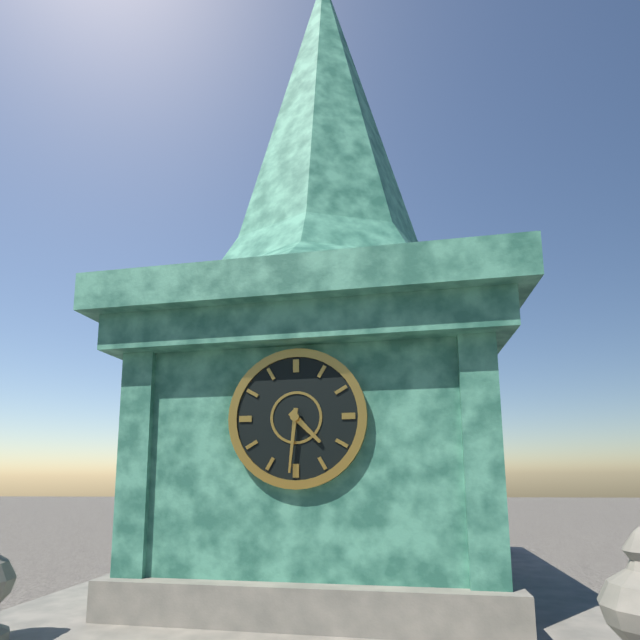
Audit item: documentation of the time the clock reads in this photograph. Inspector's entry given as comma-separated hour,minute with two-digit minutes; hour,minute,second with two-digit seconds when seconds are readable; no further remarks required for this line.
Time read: 4,31
